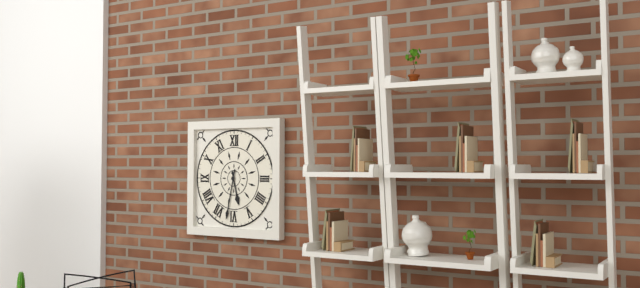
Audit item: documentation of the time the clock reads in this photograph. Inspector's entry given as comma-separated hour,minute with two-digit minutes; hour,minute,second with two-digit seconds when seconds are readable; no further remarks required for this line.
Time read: 5,32
